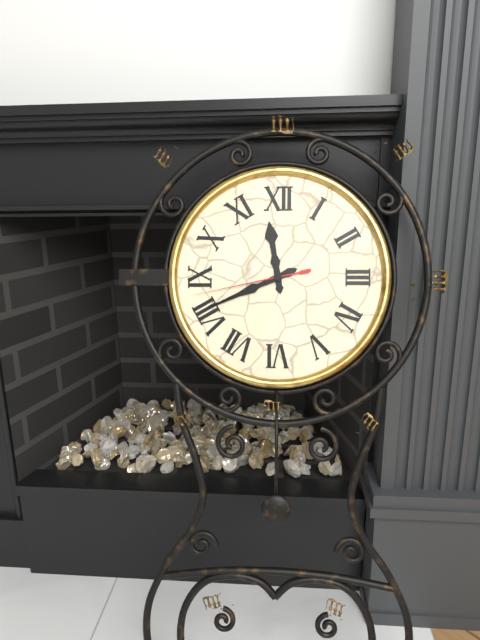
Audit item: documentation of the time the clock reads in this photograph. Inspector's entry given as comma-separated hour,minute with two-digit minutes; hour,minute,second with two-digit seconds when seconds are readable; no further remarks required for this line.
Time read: 11,41,43
